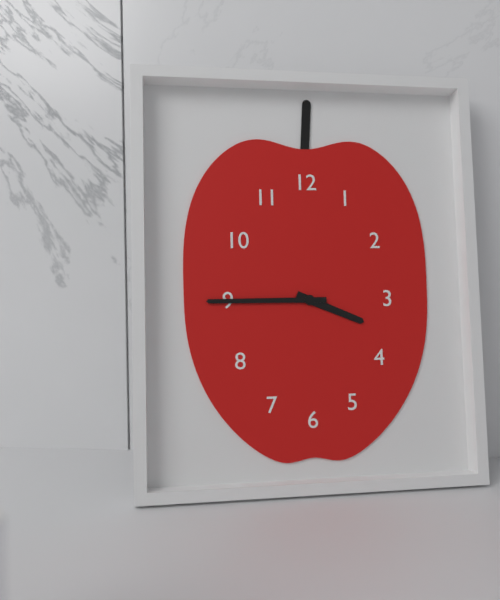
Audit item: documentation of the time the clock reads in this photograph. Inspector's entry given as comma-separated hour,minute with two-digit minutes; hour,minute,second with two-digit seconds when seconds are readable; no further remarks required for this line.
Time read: 3,45
